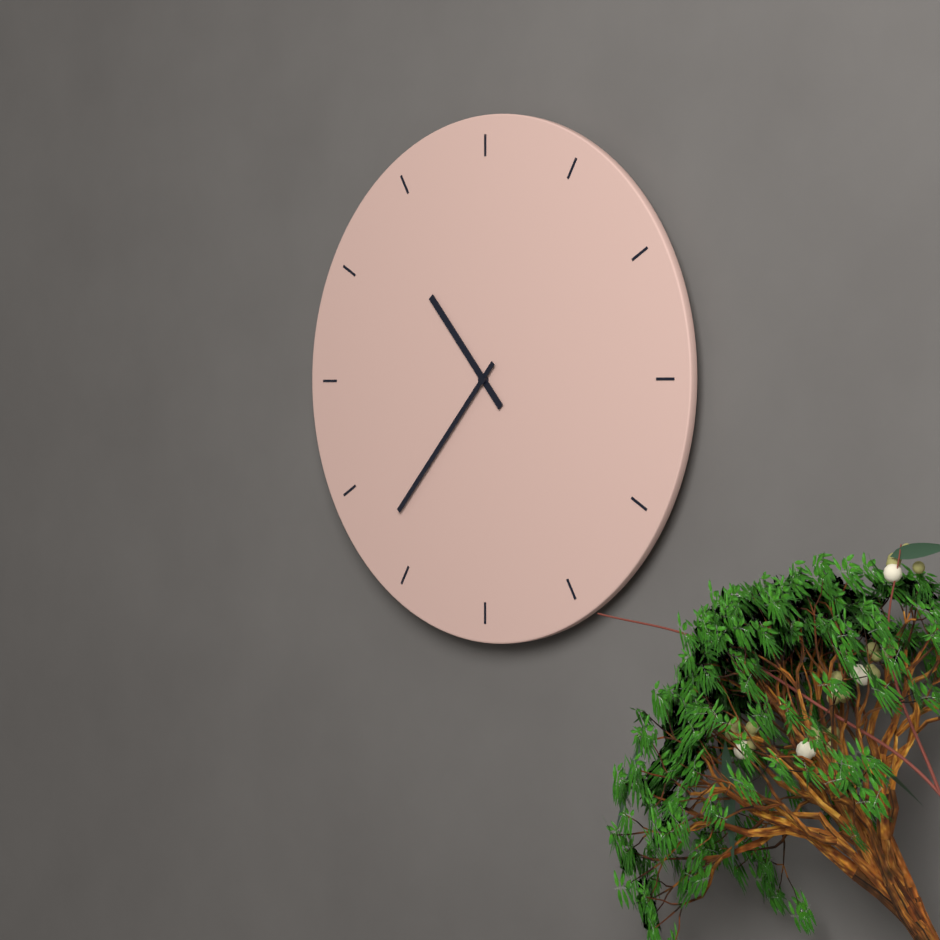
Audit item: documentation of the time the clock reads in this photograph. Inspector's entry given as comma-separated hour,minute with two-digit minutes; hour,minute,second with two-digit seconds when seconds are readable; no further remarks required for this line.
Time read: 10,37
